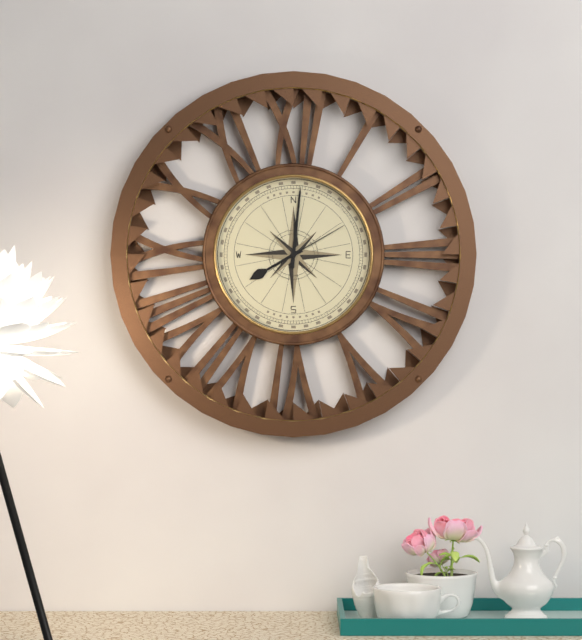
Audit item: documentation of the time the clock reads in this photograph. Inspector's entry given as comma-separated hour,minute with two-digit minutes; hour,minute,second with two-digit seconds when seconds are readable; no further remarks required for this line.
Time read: 8,01,10
